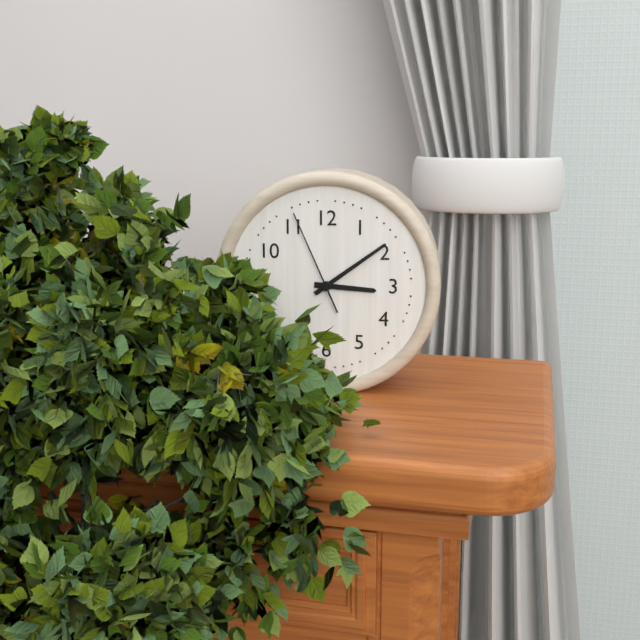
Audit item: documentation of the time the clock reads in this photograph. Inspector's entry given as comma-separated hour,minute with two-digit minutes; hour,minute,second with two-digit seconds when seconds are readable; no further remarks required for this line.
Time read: 3,09,56
